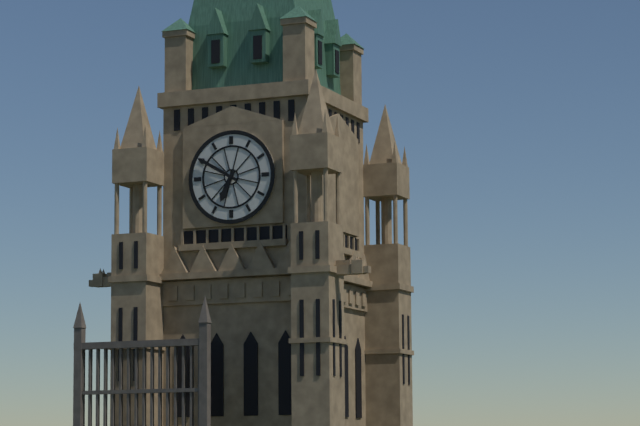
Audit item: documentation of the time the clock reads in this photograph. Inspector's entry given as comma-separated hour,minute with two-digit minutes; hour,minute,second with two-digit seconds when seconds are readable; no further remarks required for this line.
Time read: 6,50
